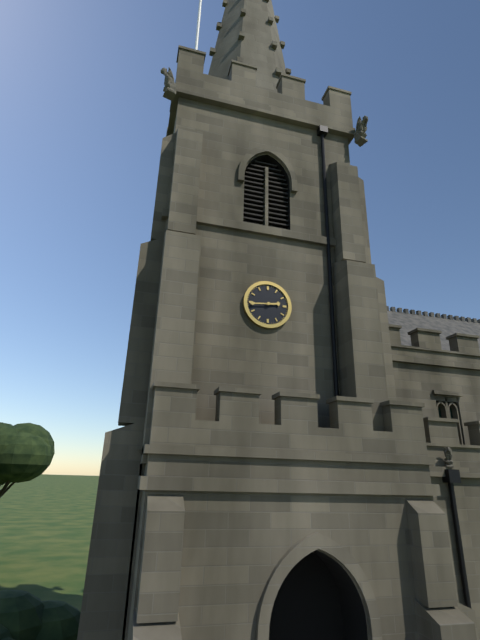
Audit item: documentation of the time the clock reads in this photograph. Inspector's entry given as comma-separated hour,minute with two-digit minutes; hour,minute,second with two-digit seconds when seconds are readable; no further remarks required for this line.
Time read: 2,44
